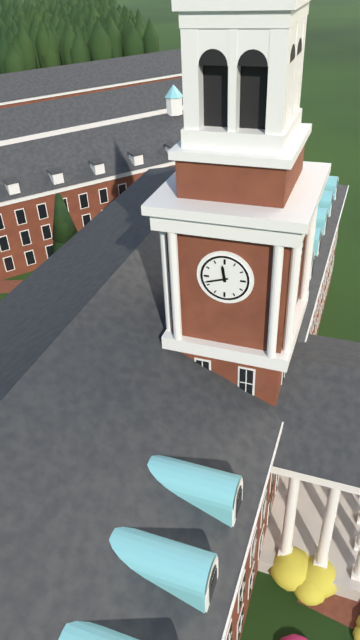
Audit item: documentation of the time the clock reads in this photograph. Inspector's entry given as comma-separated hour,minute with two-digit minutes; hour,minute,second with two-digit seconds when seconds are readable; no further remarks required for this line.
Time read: 11,42
